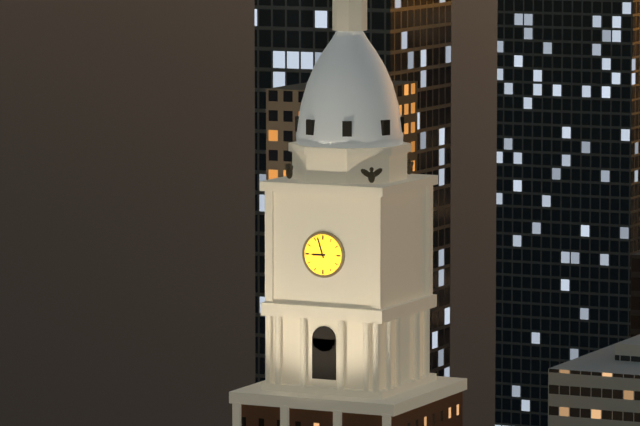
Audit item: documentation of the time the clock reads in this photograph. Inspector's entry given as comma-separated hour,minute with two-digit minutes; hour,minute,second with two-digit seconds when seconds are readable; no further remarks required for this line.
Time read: 8,57
